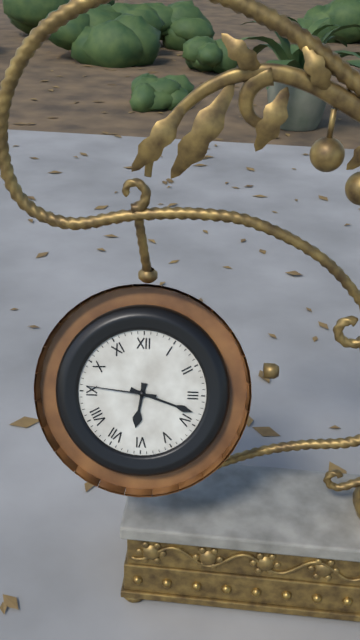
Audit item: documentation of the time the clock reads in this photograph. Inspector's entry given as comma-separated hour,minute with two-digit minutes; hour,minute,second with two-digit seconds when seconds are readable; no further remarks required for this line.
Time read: 6,18,46
